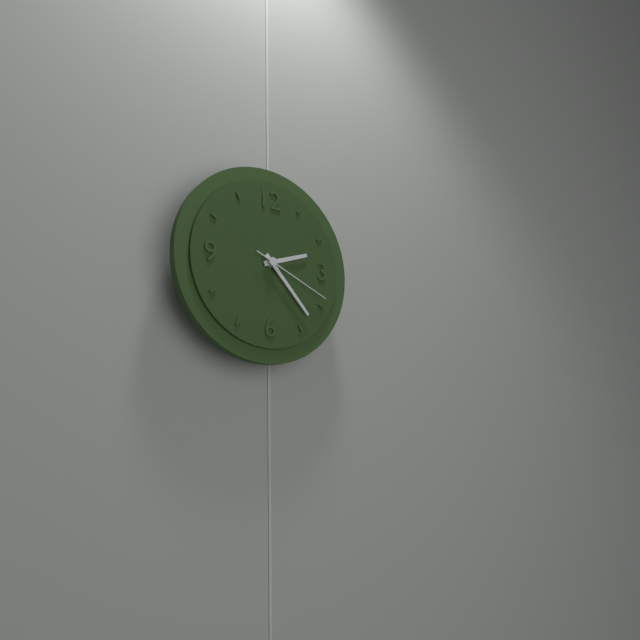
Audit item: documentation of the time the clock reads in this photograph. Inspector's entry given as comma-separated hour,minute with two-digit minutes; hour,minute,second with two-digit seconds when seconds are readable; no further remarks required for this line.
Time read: 2,23,19
